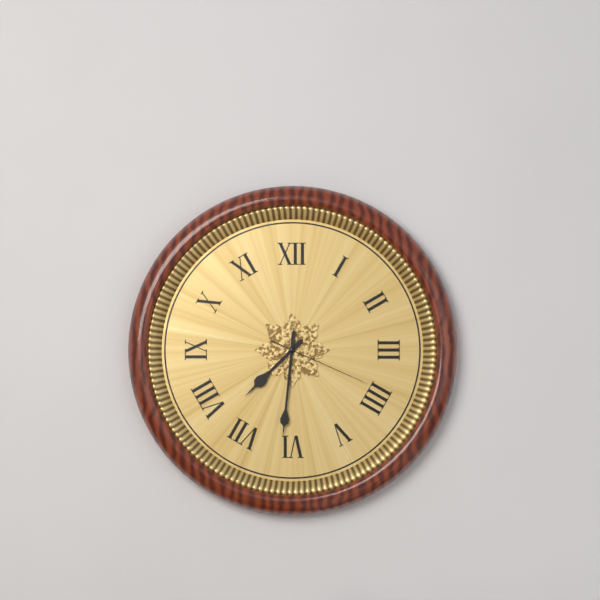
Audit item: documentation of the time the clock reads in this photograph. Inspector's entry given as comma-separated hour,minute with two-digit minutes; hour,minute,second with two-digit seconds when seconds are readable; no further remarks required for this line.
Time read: 7,31,19
